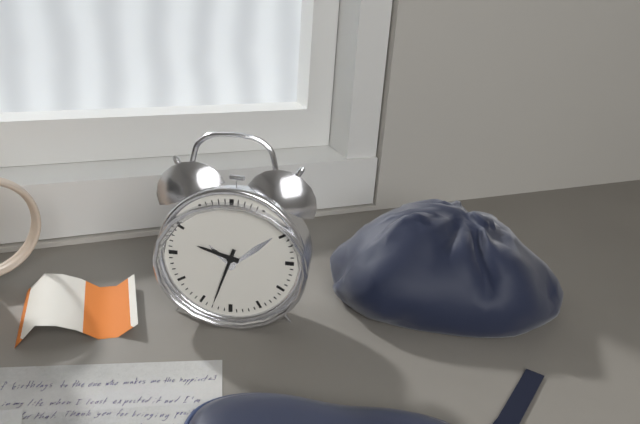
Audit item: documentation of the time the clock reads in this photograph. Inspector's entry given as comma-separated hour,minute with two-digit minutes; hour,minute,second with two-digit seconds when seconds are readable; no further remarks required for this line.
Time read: 9,33
